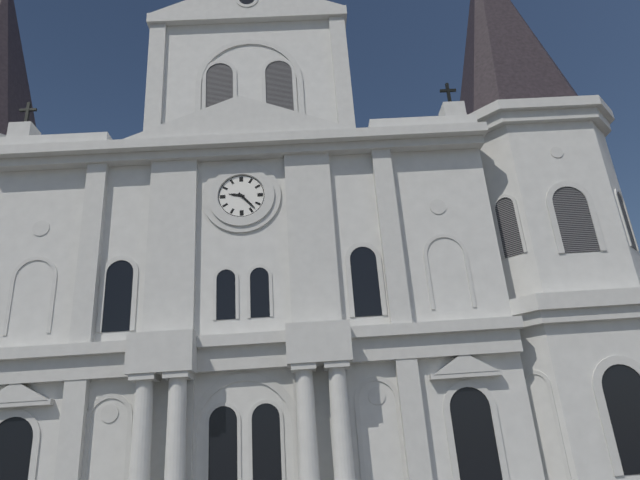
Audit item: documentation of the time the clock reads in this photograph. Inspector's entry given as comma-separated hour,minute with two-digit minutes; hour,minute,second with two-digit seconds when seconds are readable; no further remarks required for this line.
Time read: 9,23
